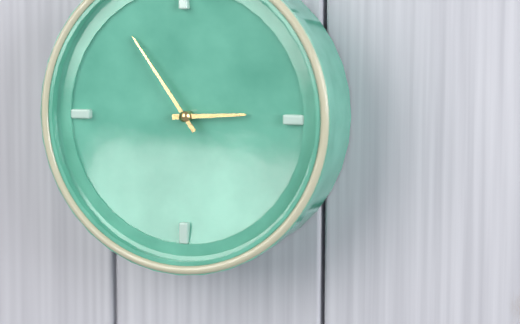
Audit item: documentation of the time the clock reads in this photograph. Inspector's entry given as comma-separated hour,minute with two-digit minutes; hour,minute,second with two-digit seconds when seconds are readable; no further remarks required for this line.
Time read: 2,54
